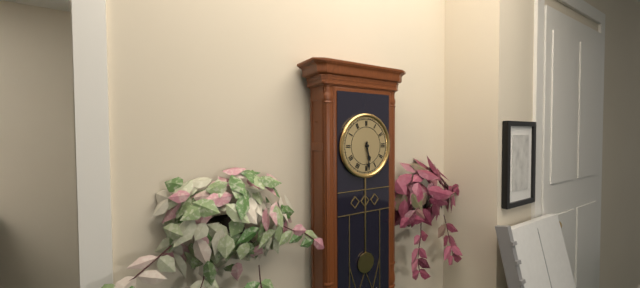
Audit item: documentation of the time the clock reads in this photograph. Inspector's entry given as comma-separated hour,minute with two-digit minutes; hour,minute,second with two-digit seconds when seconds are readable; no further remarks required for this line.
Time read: 5,29
